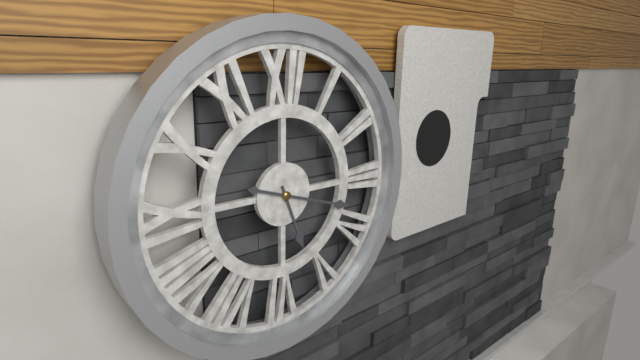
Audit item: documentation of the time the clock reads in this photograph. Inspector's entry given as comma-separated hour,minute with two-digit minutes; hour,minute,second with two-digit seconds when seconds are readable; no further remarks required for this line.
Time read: 5,18
